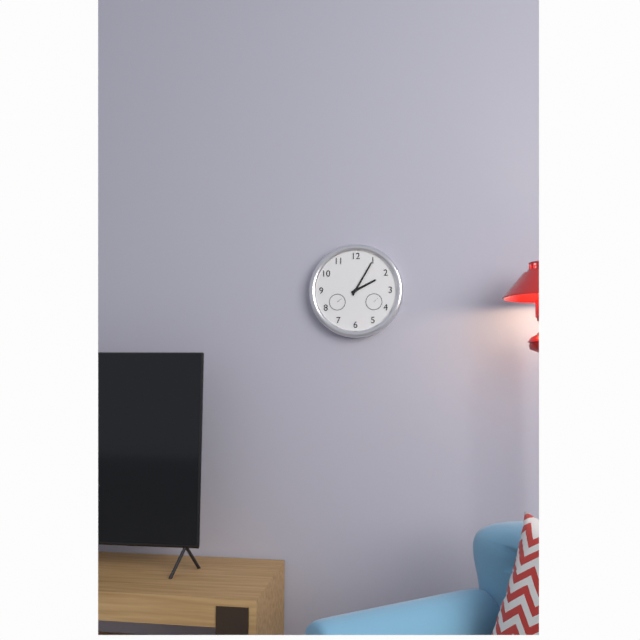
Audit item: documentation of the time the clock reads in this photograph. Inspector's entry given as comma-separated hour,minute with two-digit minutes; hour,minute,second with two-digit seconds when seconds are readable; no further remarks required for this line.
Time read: 2,05
